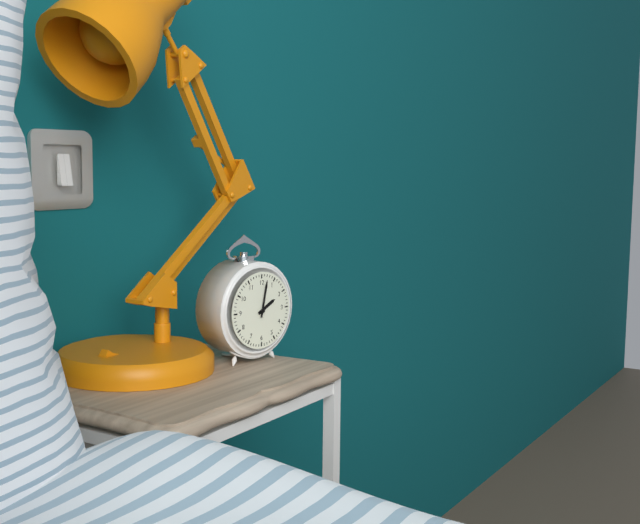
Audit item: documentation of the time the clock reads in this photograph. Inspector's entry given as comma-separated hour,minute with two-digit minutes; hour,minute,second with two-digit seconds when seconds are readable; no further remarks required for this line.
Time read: 2,02
